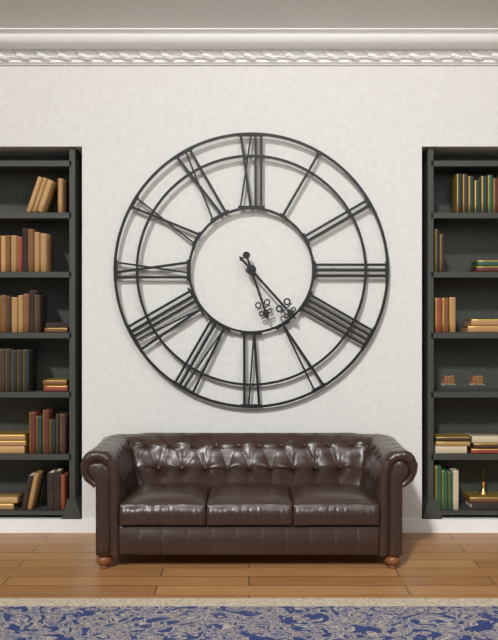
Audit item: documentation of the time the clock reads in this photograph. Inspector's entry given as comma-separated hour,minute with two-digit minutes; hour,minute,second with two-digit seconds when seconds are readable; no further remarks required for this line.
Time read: 5,23
